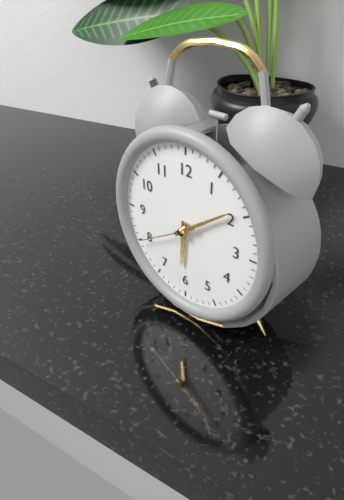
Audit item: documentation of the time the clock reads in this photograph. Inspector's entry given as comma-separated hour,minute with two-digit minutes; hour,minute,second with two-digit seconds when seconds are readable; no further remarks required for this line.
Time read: 6,09,40
